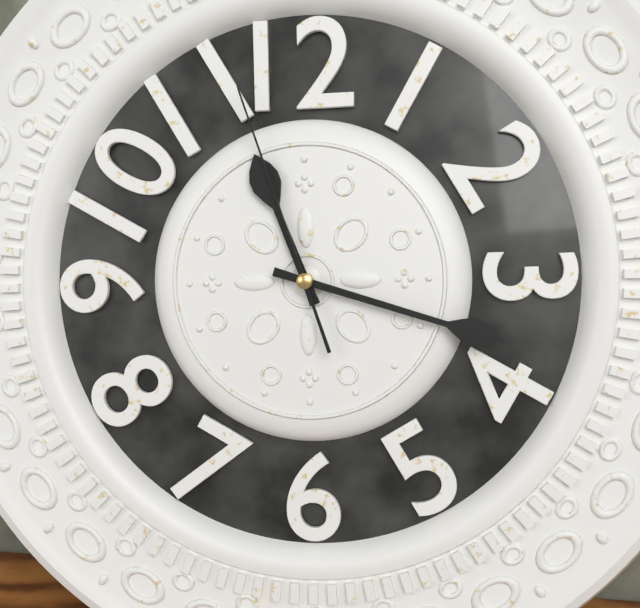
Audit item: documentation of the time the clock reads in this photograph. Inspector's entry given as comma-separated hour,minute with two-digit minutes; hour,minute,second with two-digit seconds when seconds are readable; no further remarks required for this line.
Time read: 11,18,57
